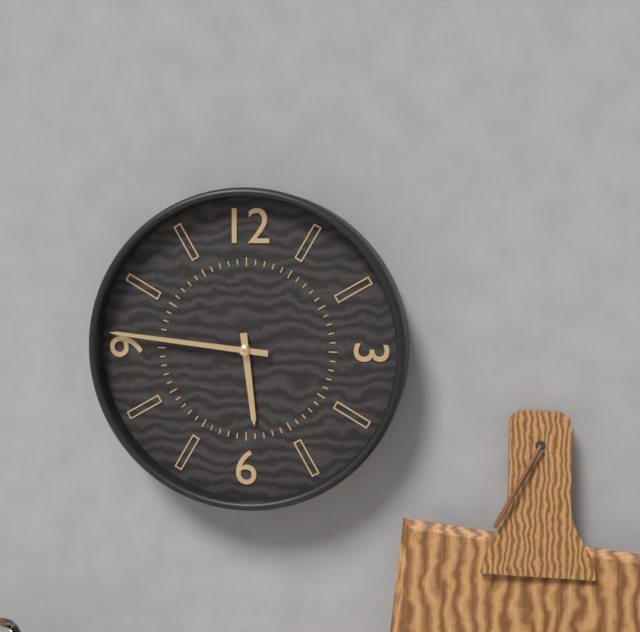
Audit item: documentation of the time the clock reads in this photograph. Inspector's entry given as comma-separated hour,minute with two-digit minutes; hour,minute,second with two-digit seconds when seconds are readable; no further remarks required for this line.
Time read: 5,46
